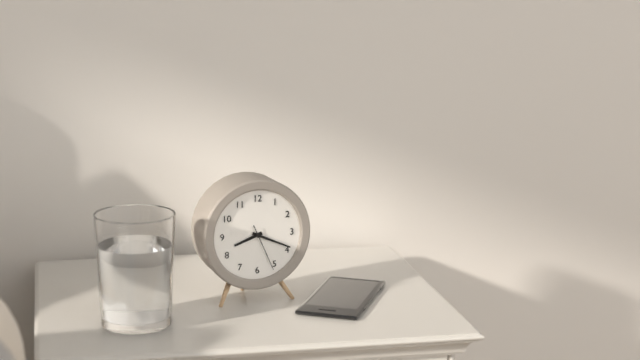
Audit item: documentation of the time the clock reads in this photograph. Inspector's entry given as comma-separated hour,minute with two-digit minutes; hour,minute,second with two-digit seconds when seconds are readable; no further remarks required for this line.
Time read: 8,19,26
